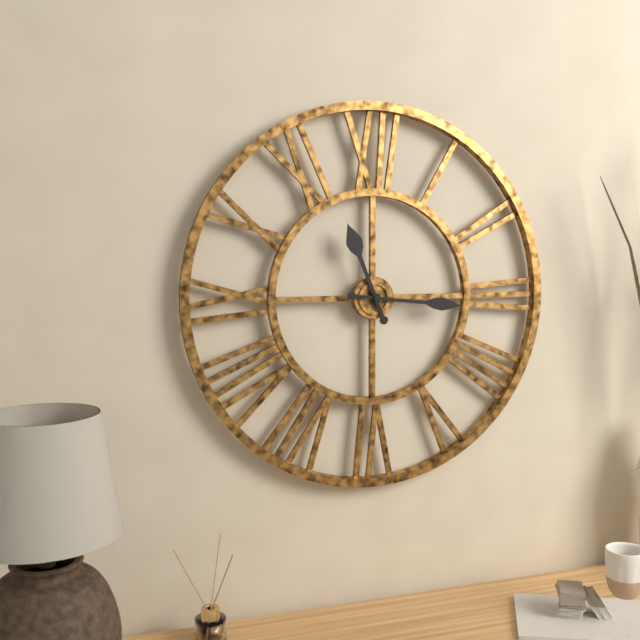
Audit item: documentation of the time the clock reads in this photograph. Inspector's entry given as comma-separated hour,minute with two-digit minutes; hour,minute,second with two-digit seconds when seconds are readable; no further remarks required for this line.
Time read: 11,16
